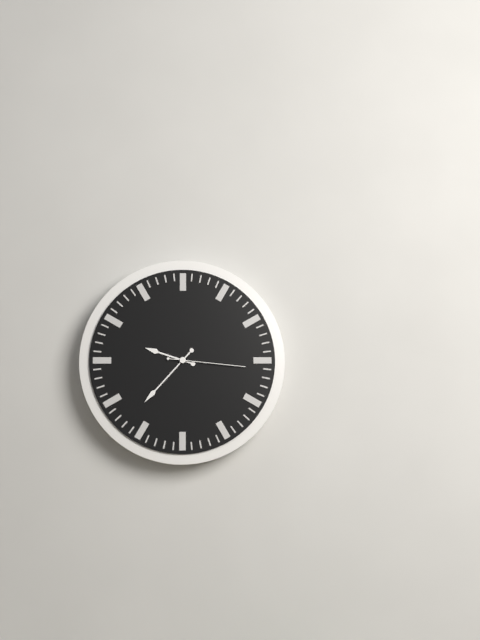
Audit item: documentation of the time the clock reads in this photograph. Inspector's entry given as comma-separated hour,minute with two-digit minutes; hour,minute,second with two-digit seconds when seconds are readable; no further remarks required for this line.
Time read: 9,37,16
